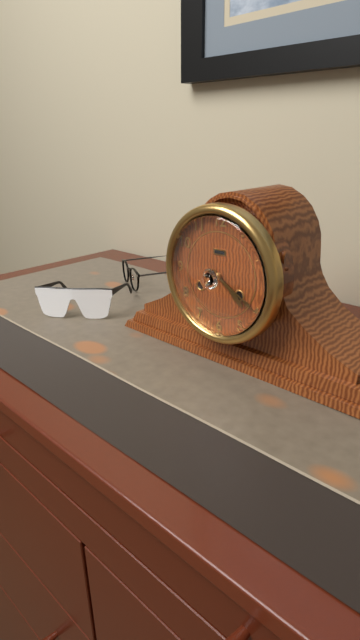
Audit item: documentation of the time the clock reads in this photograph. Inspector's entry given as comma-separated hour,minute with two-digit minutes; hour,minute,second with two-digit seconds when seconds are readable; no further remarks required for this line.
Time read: 4,20
